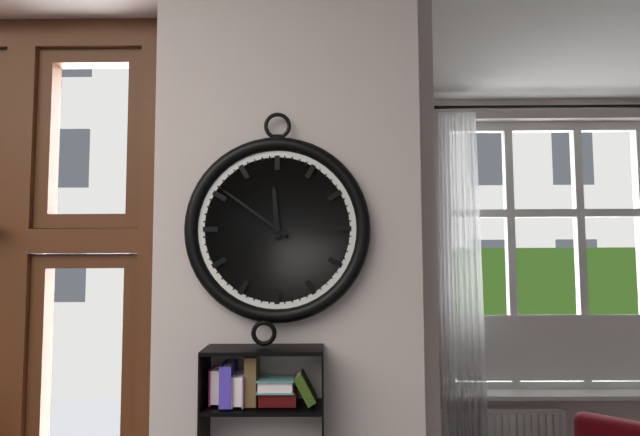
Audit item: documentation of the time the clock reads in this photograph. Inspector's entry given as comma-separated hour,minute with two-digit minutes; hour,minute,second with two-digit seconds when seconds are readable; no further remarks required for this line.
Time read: 11,51
